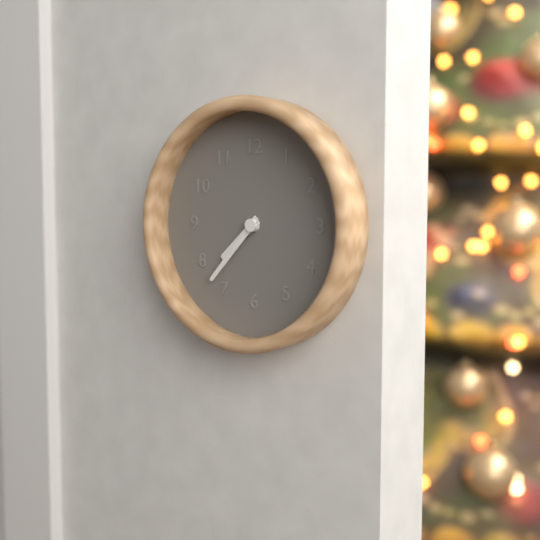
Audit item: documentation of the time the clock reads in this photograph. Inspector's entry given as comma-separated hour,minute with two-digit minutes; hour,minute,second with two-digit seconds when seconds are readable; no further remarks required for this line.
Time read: 7,37
